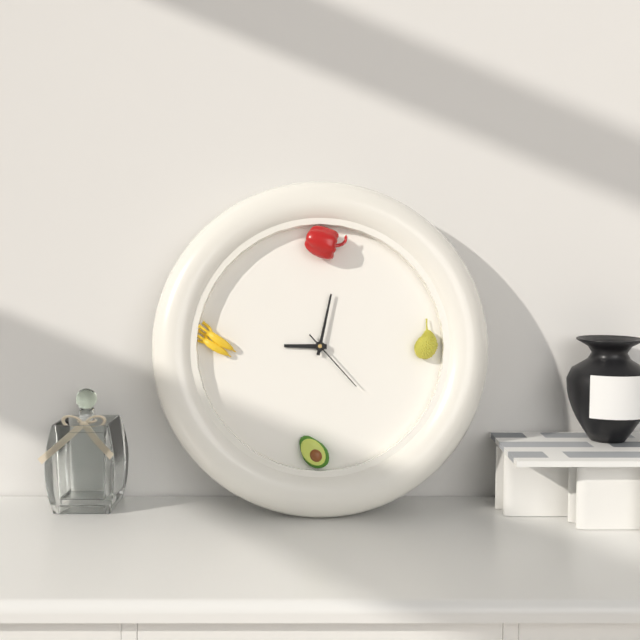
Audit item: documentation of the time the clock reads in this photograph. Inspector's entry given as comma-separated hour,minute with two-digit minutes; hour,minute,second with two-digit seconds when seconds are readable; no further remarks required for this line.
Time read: 9,02,23
